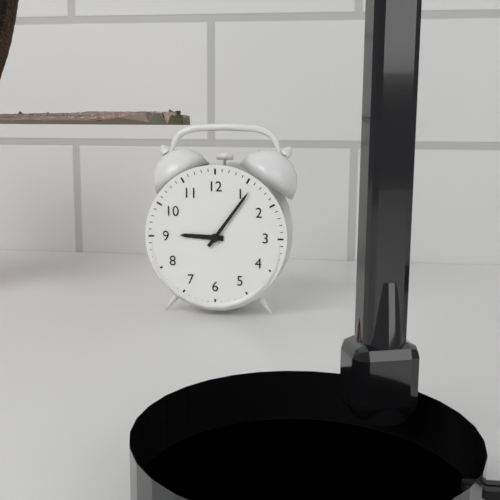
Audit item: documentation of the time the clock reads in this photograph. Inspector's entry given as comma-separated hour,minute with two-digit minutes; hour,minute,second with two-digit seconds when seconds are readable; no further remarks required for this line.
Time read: 9,06
